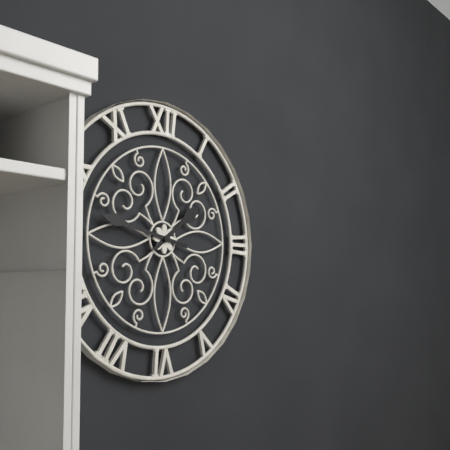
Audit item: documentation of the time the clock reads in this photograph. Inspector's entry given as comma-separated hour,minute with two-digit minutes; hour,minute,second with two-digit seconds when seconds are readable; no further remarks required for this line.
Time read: 1,47
